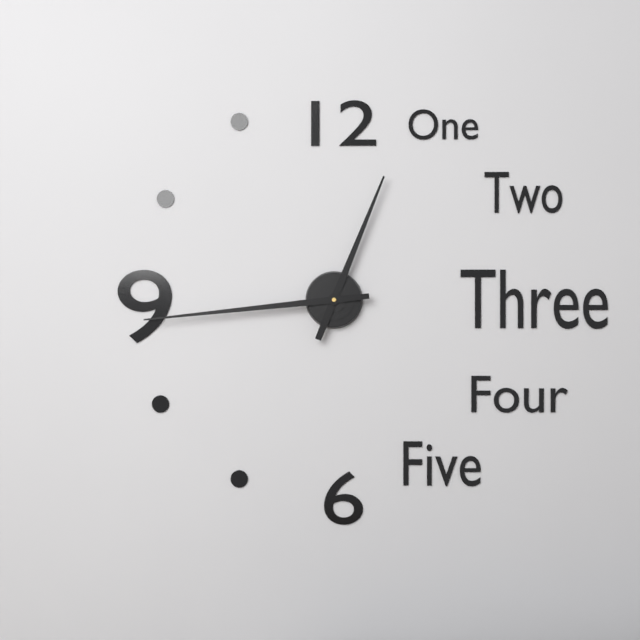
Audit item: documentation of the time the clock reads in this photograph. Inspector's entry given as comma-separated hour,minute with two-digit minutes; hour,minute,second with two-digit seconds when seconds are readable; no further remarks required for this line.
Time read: 12,44
